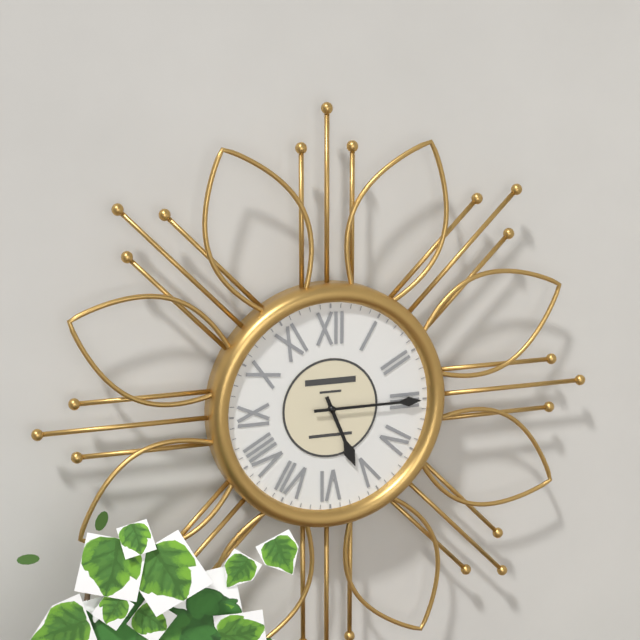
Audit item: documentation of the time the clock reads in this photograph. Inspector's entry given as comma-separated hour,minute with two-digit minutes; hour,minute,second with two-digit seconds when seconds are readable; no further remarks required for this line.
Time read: 5,15
